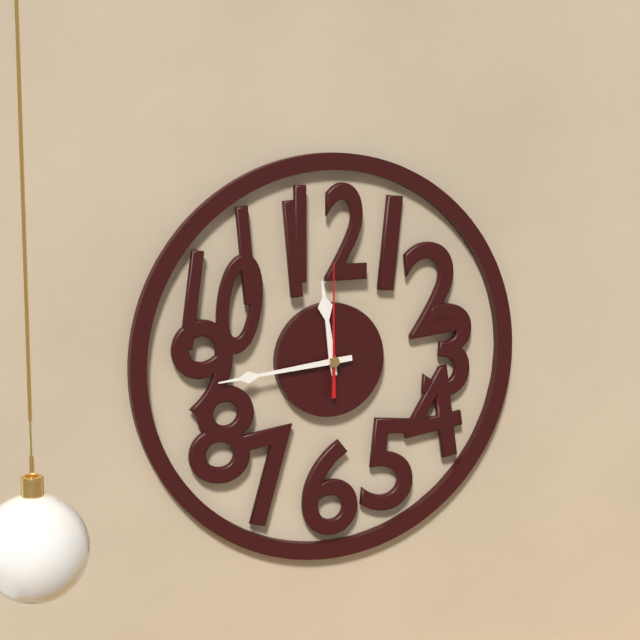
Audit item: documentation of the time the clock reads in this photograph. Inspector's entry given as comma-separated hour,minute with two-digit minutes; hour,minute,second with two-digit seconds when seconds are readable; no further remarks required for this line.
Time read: 11,44,00
